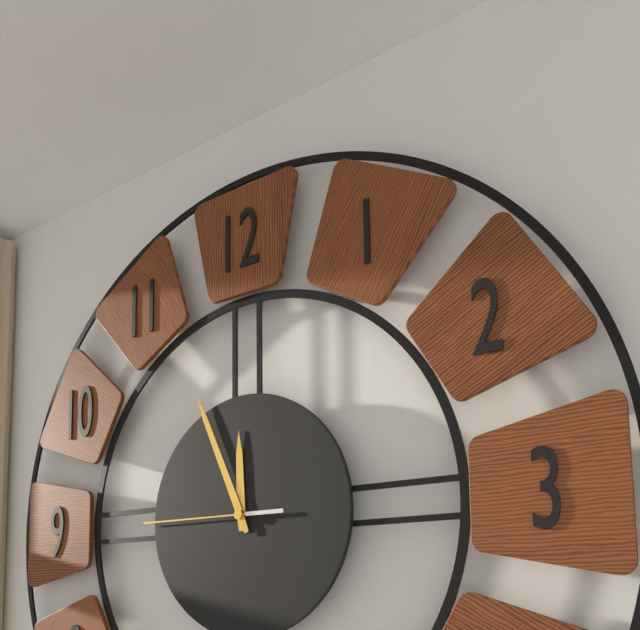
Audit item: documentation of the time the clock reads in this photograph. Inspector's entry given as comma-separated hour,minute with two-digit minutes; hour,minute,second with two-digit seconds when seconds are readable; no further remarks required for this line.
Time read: 11,56,45
